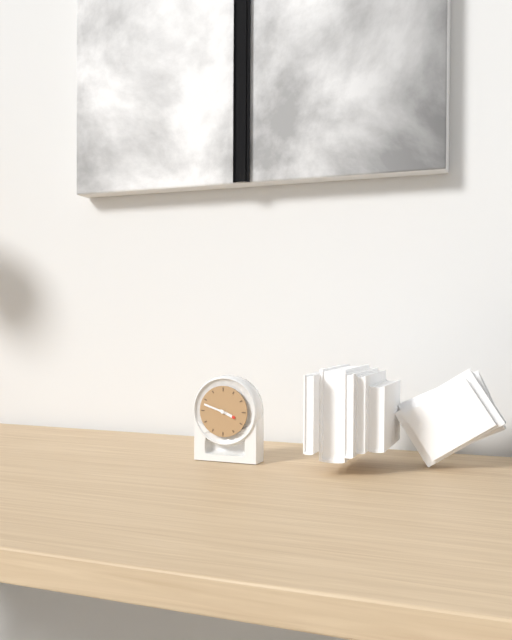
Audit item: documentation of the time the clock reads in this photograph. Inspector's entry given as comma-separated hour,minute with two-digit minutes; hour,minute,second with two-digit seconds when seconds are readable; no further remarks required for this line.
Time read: 3,48
